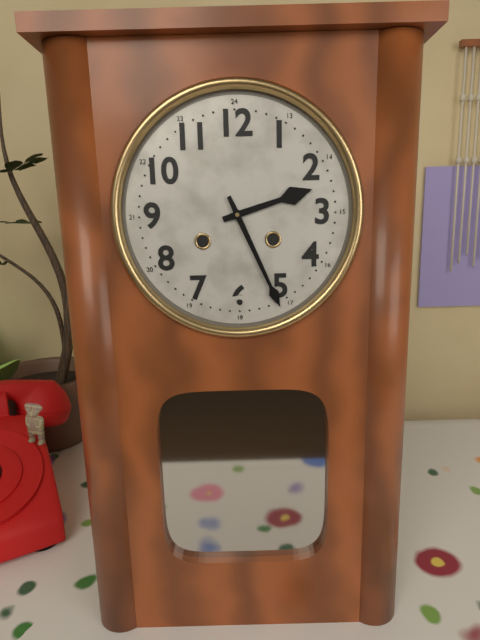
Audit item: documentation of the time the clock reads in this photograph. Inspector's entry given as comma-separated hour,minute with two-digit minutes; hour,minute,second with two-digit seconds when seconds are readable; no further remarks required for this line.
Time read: 2,26
